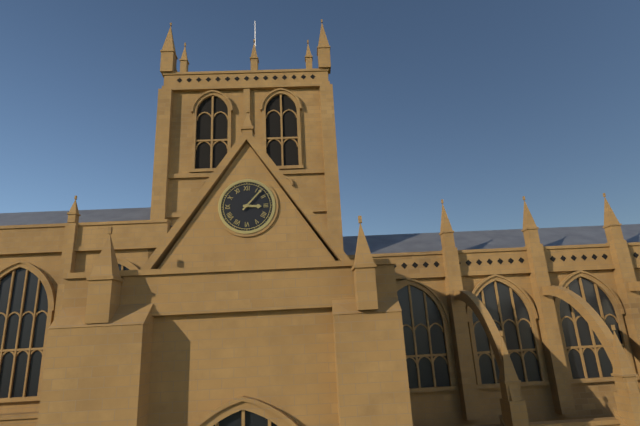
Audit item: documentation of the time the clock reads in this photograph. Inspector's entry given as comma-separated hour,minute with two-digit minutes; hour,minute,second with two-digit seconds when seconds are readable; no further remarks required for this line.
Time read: 3,07
